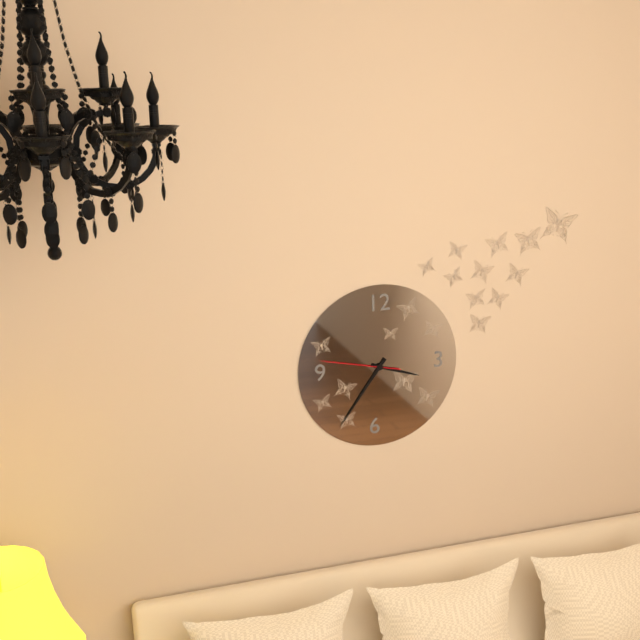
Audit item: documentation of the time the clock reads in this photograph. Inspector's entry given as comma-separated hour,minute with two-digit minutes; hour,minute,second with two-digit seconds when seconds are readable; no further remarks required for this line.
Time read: 3,36,47
